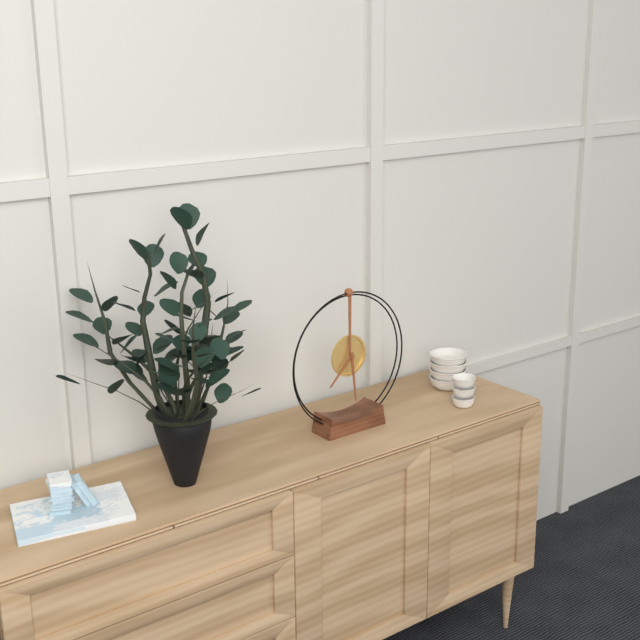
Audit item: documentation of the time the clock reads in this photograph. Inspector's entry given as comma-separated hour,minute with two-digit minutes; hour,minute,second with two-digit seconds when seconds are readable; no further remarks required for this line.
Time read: 7,29
